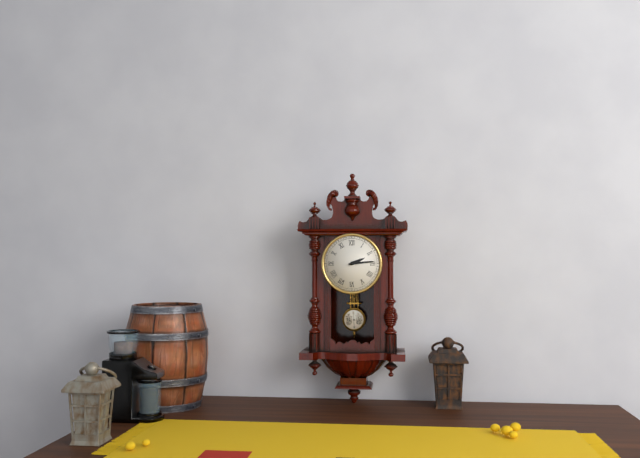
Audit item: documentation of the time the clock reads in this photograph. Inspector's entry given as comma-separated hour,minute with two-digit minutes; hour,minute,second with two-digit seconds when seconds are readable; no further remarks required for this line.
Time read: 2,14
